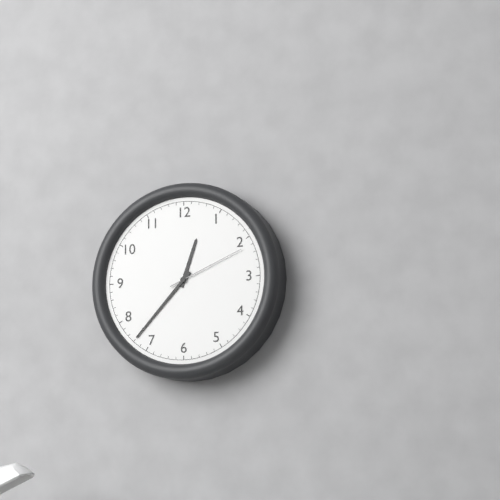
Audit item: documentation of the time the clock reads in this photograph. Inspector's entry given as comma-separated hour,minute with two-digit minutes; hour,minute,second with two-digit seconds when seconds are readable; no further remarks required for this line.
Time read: 12,37,11
